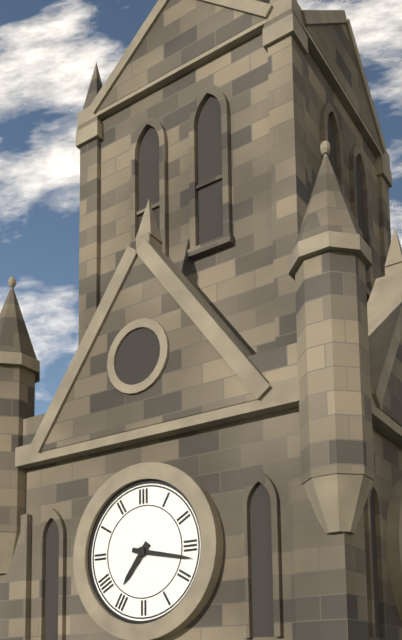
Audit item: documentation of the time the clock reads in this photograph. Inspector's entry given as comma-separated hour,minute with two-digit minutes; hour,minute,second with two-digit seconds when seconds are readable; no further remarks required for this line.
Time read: 7,17
